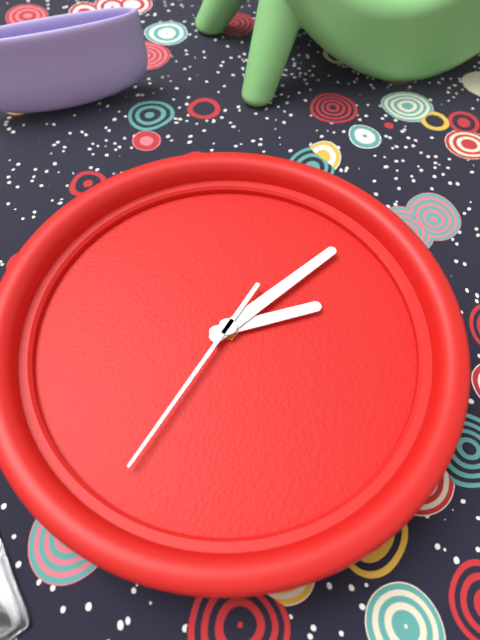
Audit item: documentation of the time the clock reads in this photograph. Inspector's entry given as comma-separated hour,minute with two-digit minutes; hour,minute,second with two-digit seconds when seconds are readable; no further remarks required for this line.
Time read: 3,12,39
